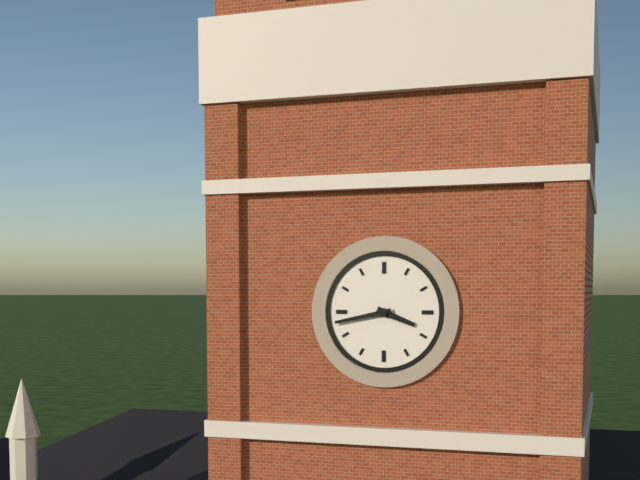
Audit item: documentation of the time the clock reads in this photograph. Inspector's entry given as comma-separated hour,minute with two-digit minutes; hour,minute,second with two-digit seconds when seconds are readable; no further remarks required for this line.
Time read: 3,43
